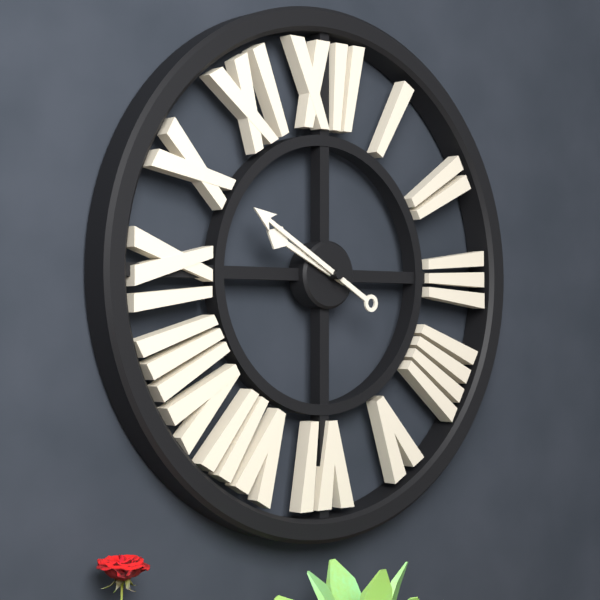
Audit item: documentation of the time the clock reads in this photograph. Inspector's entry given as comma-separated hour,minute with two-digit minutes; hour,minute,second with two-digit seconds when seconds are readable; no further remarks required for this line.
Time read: 9,50
